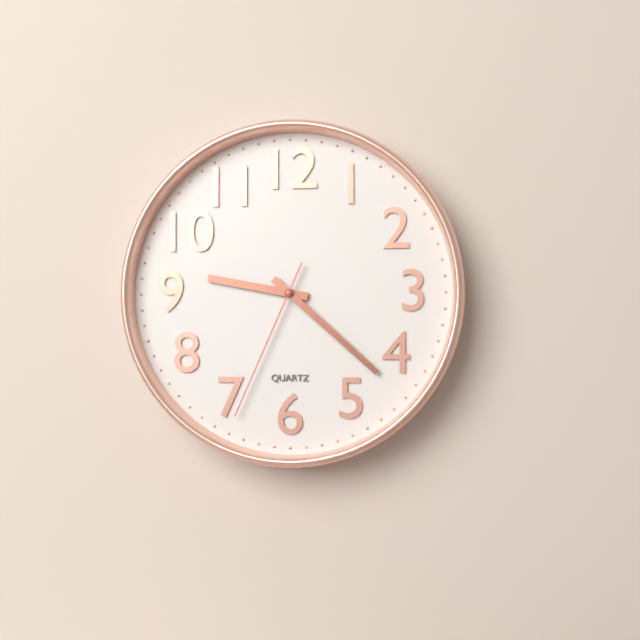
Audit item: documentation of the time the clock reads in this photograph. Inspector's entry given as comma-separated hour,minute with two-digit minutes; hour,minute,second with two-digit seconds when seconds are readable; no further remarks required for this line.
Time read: 9,22,34
